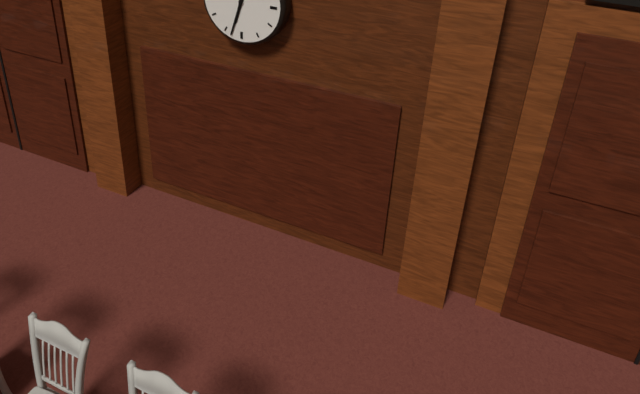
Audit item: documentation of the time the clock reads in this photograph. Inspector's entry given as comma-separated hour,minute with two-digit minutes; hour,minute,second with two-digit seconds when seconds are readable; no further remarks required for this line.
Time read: 6,33
